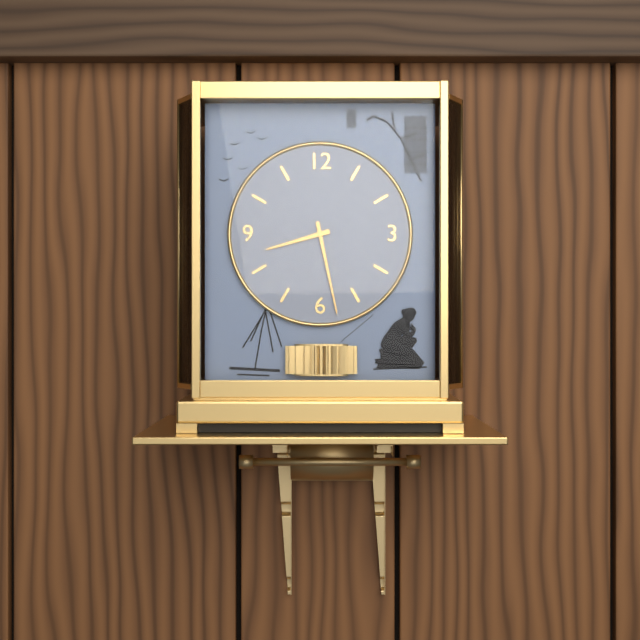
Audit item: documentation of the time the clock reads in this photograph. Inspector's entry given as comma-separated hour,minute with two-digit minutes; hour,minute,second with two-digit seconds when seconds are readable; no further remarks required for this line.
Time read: 8,28
